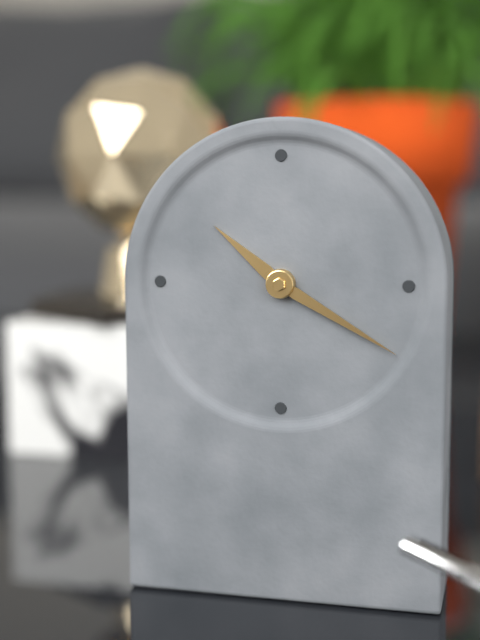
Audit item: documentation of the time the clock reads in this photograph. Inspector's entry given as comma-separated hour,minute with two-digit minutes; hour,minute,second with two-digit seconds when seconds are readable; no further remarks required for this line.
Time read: 10,20
